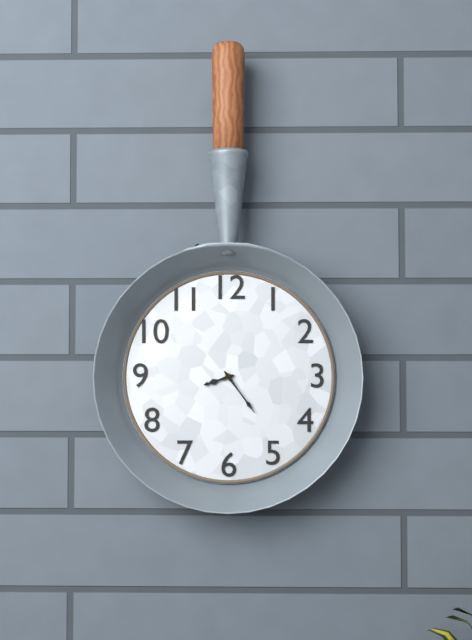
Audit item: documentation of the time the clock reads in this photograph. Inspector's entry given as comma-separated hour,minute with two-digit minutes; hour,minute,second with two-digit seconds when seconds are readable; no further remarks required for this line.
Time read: 8,24
